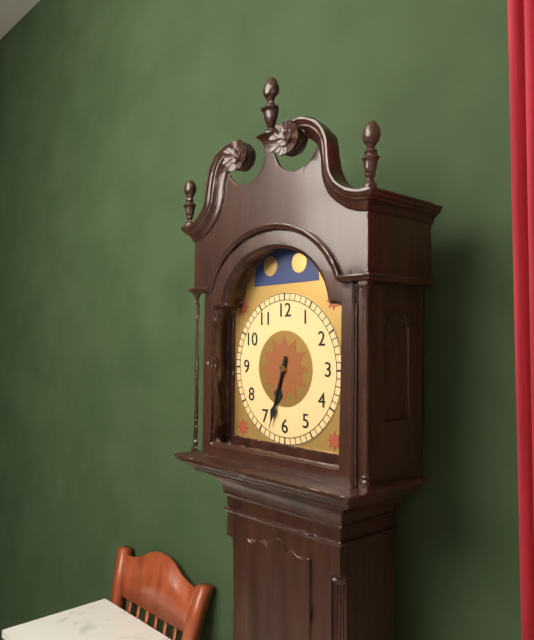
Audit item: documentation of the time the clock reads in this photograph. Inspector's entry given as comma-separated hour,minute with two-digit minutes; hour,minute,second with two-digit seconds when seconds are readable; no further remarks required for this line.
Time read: 6,33
